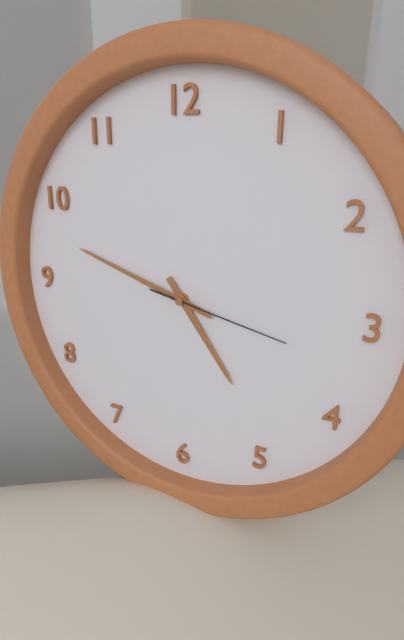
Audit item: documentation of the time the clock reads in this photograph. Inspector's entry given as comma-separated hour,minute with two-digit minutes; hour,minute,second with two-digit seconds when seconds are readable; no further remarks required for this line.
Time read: 4,48,17
